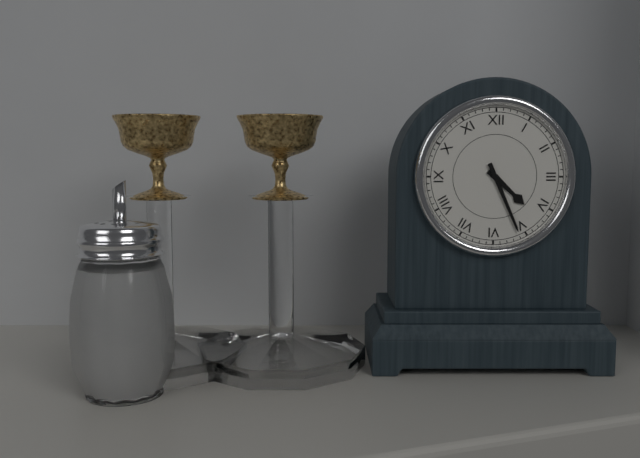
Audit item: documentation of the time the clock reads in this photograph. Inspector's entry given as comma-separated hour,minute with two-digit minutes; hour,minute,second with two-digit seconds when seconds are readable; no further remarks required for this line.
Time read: 4,26
